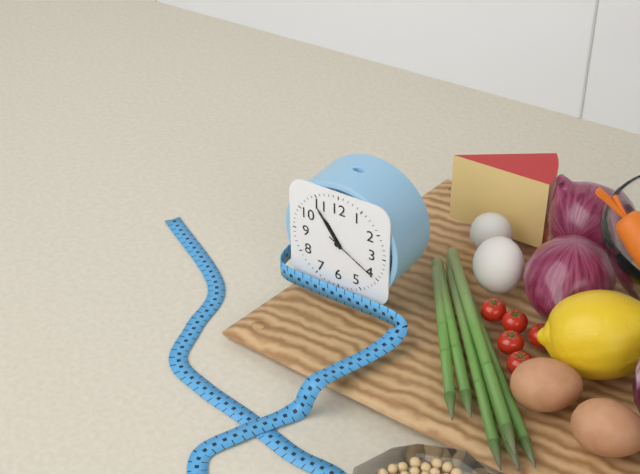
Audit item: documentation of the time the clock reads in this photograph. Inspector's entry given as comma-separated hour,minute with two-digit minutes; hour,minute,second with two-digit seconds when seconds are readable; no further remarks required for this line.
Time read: 10,54,20
